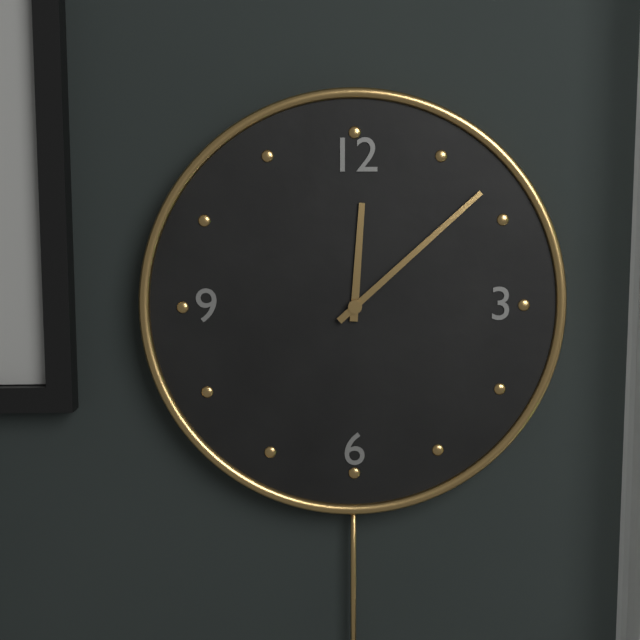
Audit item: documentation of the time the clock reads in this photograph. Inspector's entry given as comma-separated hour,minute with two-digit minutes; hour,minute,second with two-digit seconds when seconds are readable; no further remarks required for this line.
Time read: 12,08
